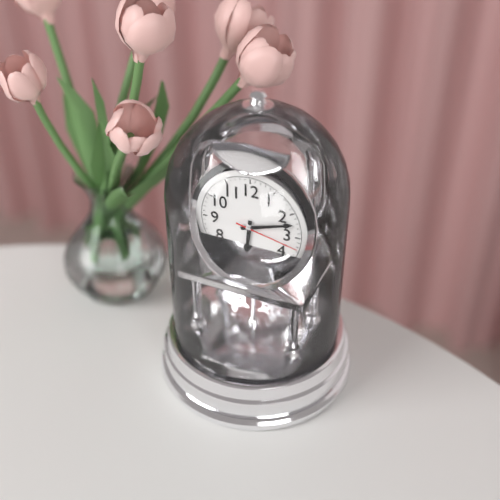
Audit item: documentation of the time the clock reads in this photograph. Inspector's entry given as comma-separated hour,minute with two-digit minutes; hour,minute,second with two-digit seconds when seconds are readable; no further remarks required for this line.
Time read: 6,12,17
